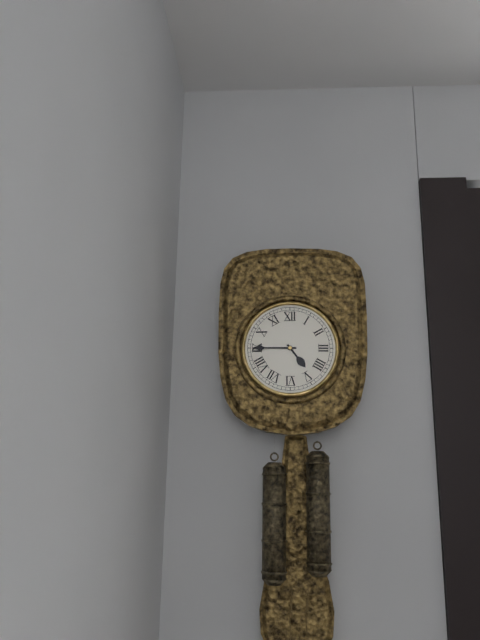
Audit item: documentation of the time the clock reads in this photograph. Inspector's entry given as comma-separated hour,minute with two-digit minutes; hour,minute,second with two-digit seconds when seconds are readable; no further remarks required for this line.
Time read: 4,45
